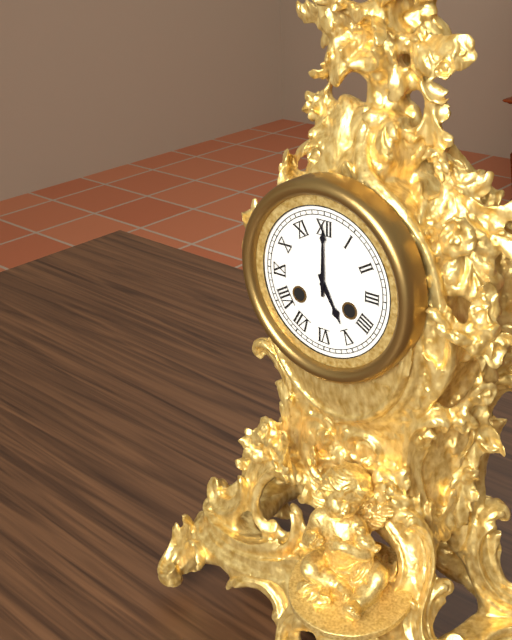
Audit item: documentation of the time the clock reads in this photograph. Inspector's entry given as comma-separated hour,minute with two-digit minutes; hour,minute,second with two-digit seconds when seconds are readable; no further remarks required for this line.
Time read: 5,00
